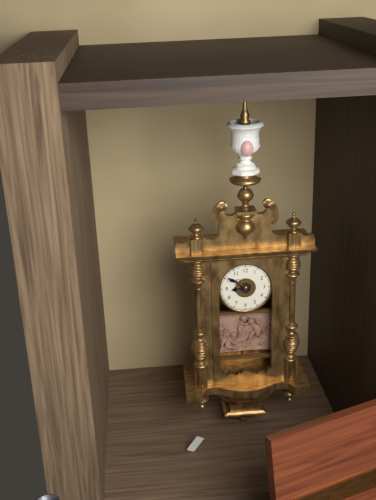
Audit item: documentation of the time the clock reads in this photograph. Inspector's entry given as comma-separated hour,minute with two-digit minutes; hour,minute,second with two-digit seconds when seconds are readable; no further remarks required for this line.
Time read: 8,51
